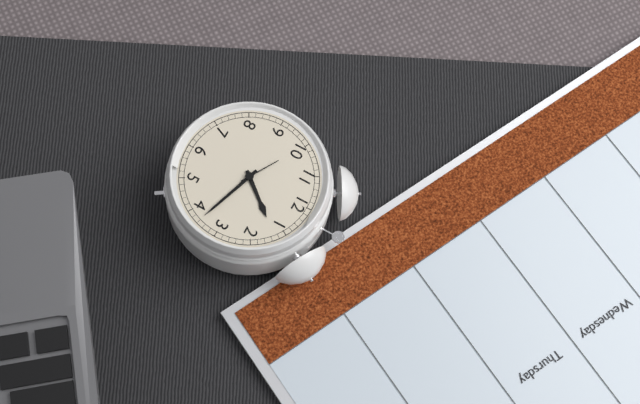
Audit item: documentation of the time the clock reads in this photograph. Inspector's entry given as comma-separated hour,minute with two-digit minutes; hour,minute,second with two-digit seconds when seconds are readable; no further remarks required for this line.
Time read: 1,18
